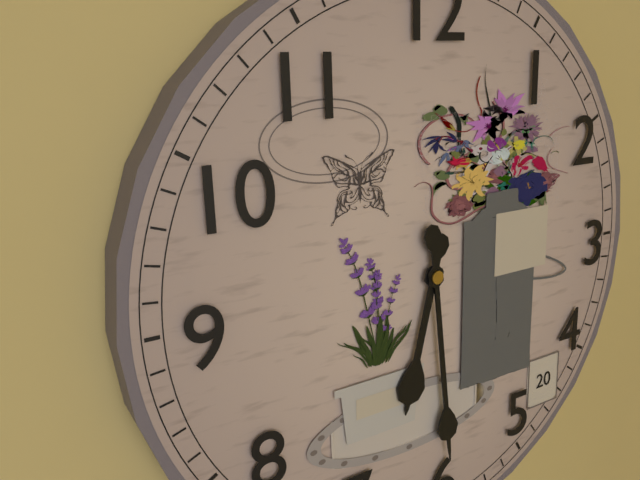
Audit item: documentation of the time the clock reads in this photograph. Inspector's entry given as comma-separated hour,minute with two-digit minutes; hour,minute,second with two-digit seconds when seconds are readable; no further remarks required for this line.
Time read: 6,29
